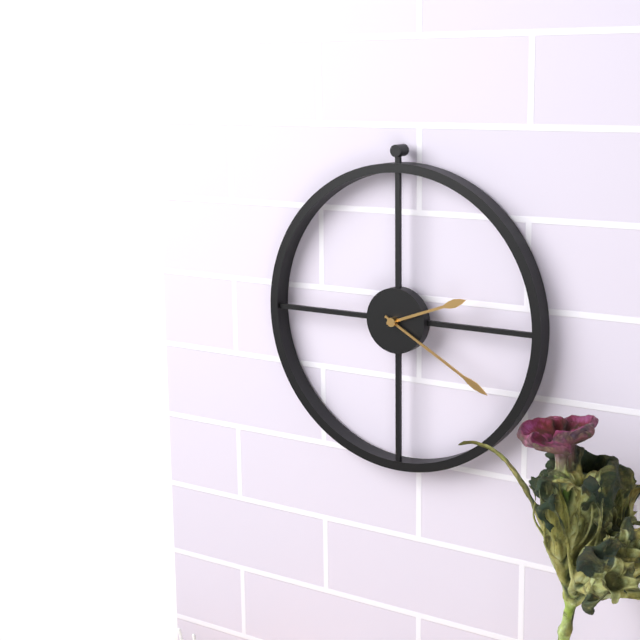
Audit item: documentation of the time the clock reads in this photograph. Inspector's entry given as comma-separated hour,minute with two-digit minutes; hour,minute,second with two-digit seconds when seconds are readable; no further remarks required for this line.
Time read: 2,20
